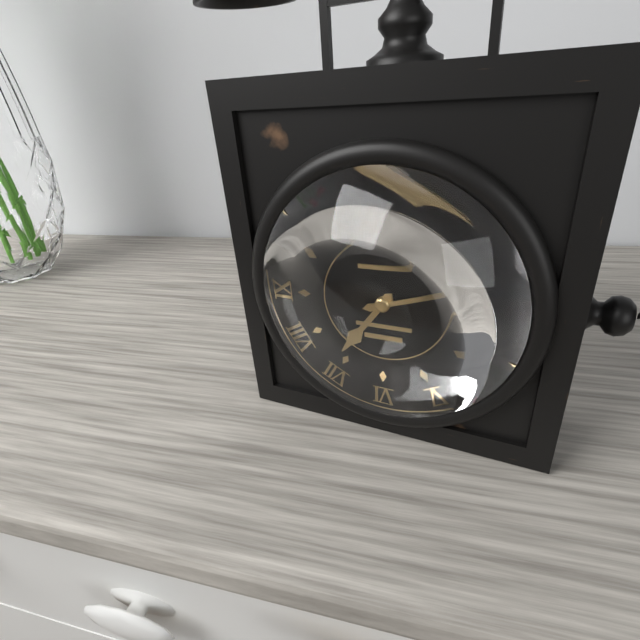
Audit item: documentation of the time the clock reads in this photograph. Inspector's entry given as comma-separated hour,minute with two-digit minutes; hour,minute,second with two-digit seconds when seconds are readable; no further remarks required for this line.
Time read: 7,12
